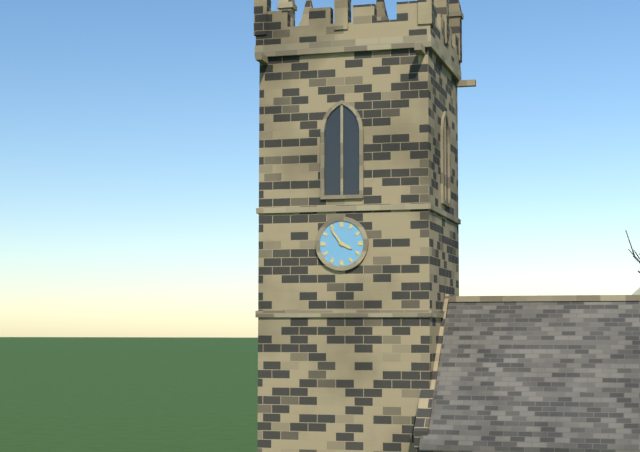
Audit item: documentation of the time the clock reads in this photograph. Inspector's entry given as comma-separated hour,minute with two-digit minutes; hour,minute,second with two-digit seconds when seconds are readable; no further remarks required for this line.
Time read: 3,54
